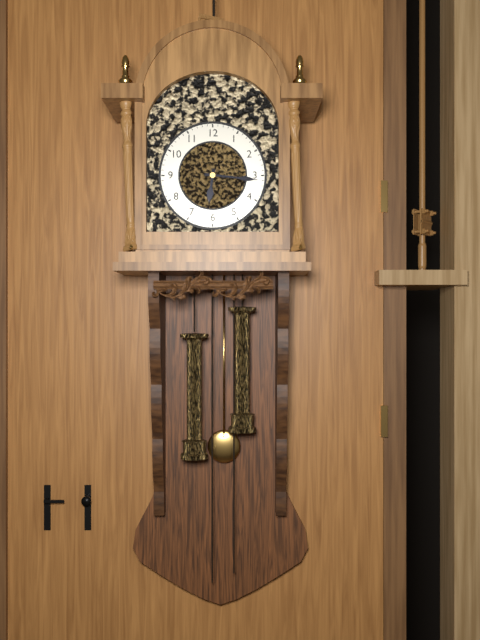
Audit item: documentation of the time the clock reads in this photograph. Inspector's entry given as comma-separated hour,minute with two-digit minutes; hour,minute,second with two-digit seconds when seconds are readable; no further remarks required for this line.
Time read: 6,16
